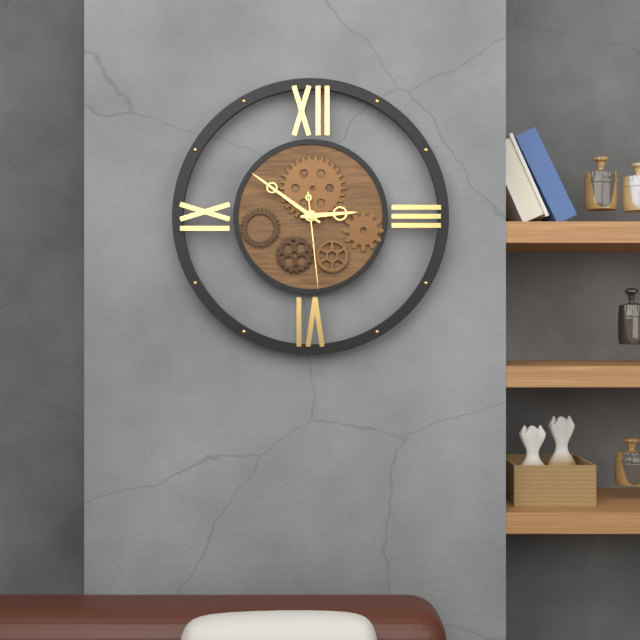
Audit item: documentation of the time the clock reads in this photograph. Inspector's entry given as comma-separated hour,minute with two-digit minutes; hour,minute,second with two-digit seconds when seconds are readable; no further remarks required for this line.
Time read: 2,51,29
